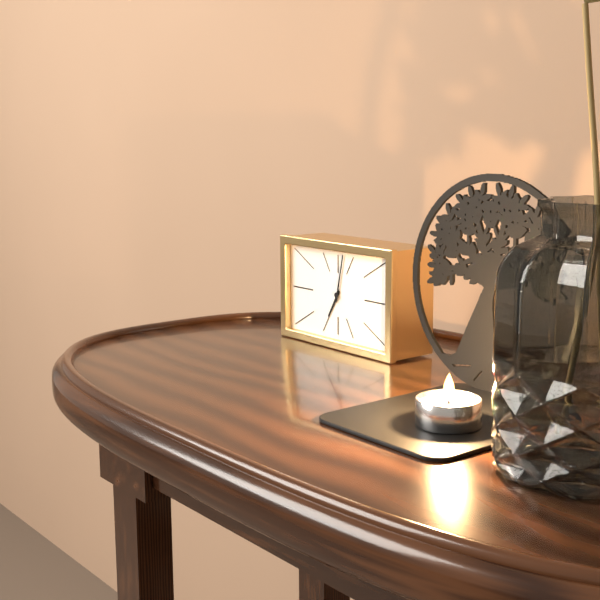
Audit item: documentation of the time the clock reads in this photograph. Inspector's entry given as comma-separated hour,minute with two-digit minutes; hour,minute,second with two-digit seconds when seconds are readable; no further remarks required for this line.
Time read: 7,02
